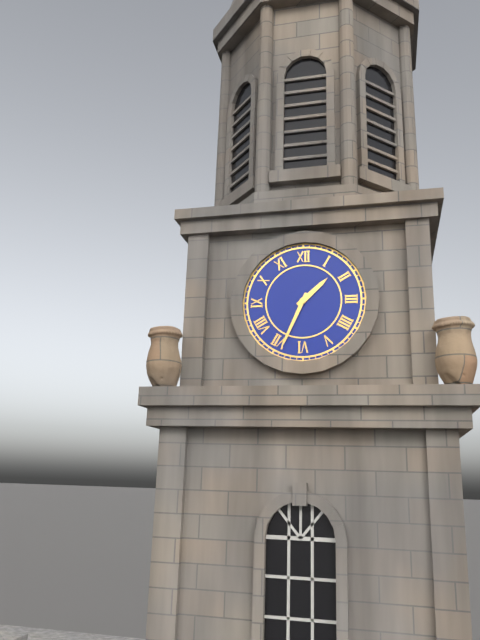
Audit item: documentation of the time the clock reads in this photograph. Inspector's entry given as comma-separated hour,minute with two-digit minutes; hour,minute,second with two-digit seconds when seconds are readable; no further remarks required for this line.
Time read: 1,34
